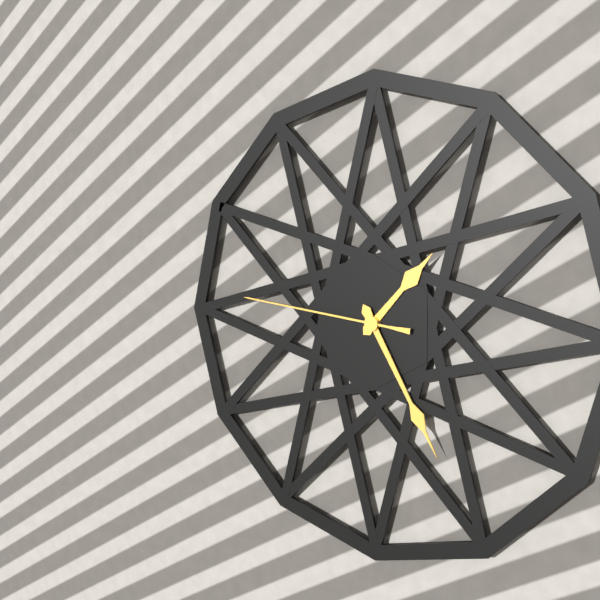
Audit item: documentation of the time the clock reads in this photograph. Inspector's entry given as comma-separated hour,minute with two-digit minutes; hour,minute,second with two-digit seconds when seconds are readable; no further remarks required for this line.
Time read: 1,25,46
